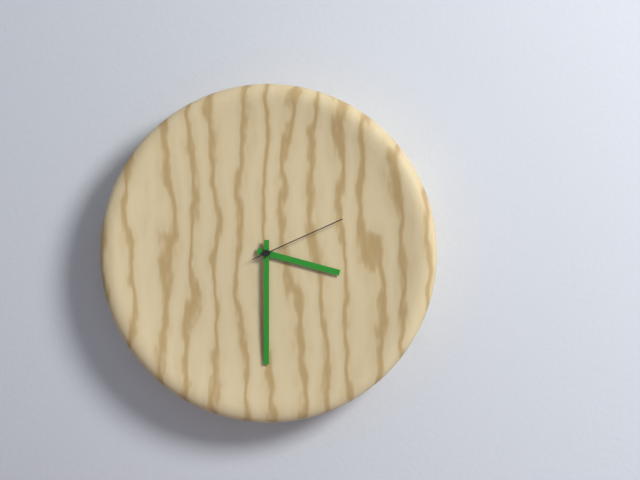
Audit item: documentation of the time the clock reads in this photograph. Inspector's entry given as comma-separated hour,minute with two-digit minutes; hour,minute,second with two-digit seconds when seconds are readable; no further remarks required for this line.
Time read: 3,30,11
